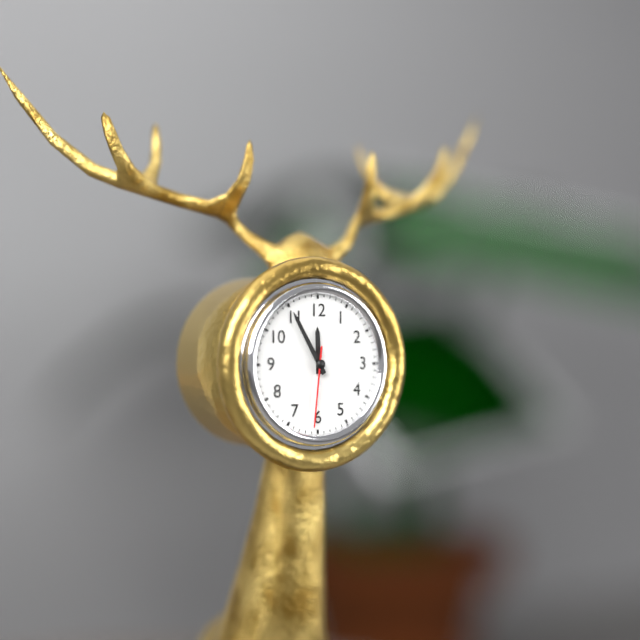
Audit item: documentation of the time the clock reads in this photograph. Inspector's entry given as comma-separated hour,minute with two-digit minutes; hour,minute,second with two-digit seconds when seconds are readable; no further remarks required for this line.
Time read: 11,55,31
